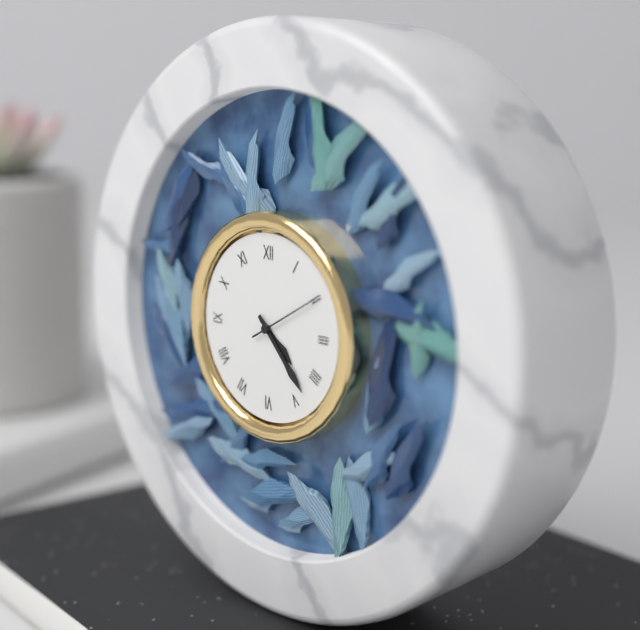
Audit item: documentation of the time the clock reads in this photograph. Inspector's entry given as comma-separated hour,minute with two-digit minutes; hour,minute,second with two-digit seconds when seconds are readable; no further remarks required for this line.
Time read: 4,23,10
